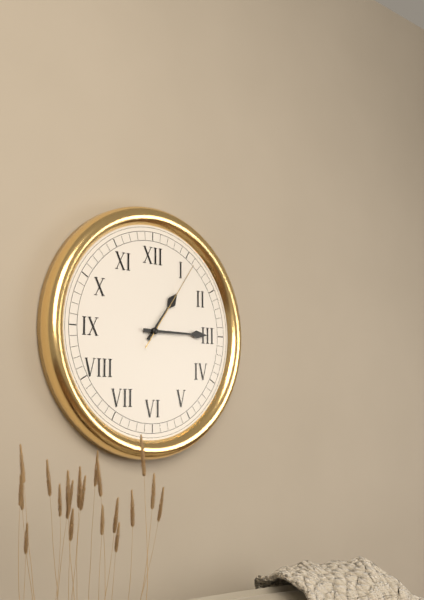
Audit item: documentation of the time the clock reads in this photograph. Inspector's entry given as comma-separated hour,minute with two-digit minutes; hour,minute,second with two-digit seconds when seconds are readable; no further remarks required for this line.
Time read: 1,15,06
